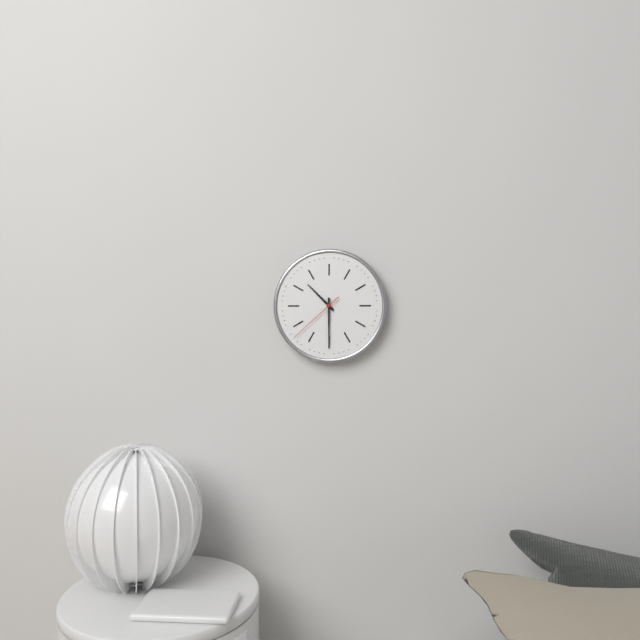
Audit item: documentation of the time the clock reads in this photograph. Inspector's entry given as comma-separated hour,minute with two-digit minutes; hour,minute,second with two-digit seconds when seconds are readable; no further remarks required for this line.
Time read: 10,30,38
